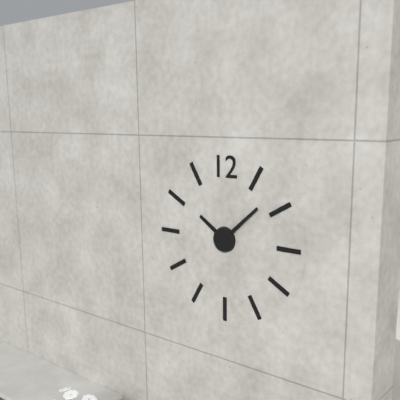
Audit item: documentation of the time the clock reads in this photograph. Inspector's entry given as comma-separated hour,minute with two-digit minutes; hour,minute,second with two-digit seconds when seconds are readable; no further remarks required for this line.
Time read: 10,08
